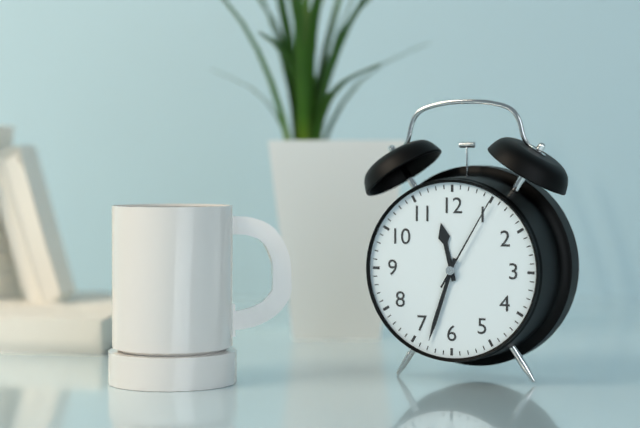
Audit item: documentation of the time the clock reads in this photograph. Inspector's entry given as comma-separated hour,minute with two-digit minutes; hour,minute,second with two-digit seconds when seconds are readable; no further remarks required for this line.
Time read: 11,33,05
